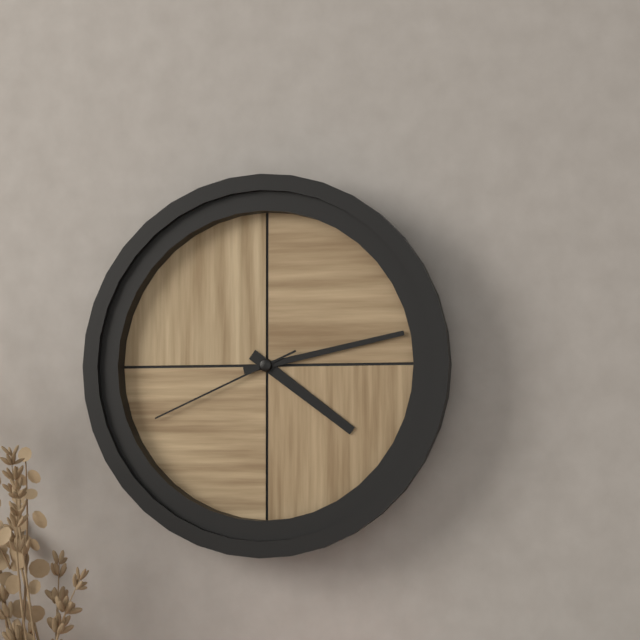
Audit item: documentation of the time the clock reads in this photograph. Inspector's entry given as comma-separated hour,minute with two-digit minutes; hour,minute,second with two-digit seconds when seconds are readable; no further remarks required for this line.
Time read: 4,13,41
